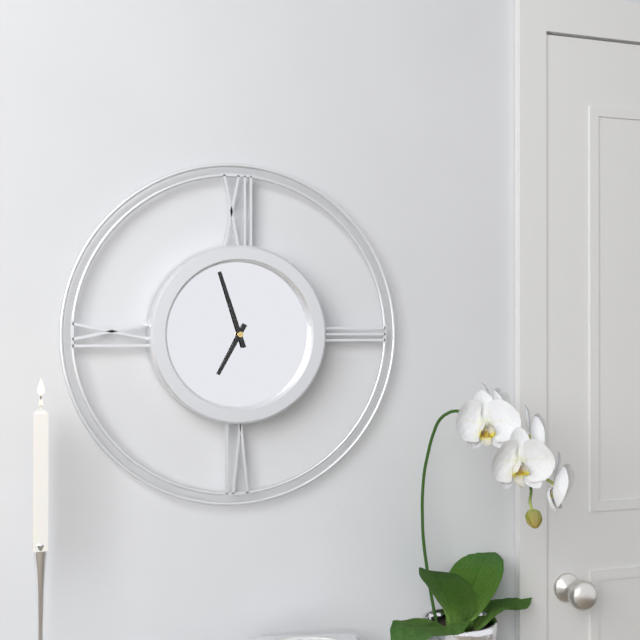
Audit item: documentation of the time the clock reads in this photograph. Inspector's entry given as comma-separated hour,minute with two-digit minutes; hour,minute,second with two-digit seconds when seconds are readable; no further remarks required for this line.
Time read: 6,57
